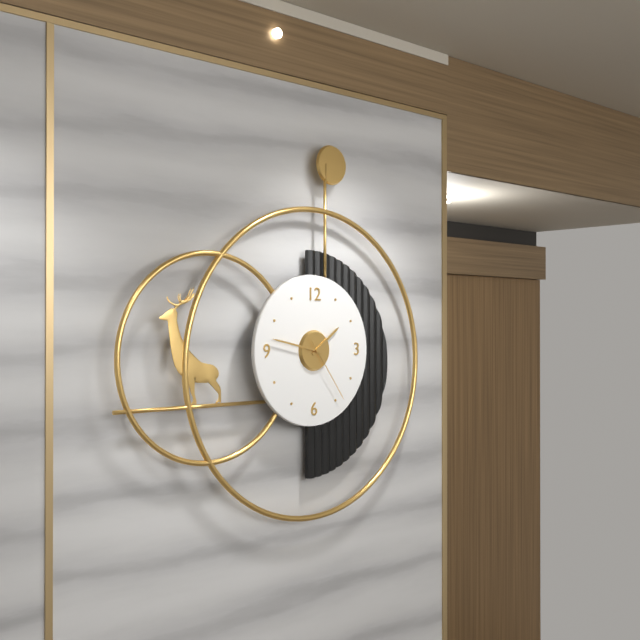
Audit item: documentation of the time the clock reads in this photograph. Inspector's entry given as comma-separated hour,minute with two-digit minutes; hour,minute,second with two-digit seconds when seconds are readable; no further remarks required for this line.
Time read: 1,47,24
